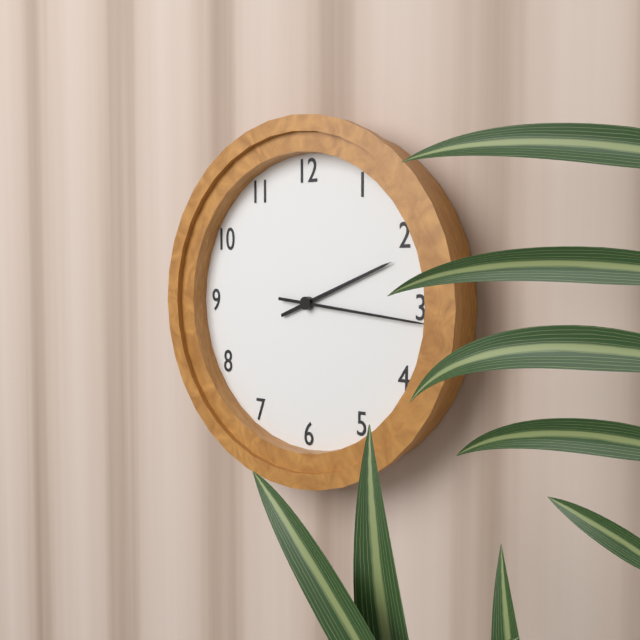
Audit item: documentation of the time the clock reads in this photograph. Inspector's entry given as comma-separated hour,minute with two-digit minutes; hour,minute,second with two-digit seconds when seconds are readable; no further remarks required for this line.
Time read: 2,16
